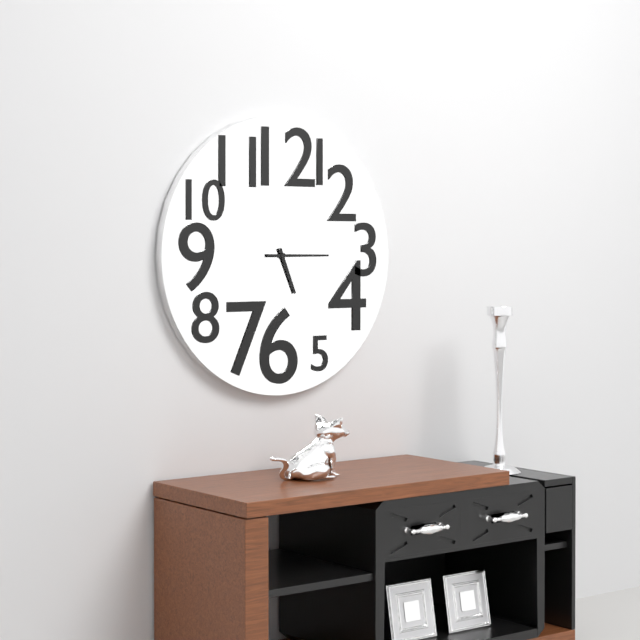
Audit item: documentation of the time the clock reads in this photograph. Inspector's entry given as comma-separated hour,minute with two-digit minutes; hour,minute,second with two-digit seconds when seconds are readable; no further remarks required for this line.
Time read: 5,15
